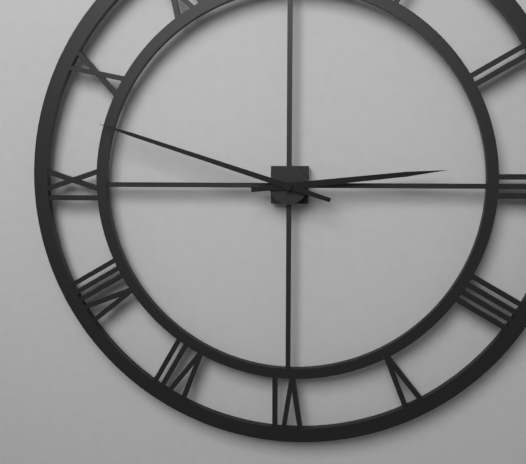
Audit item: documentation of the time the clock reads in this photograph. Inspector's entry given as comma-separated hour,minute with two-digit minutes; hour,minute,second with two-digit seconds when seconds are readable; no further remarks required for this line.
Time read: 2,48
